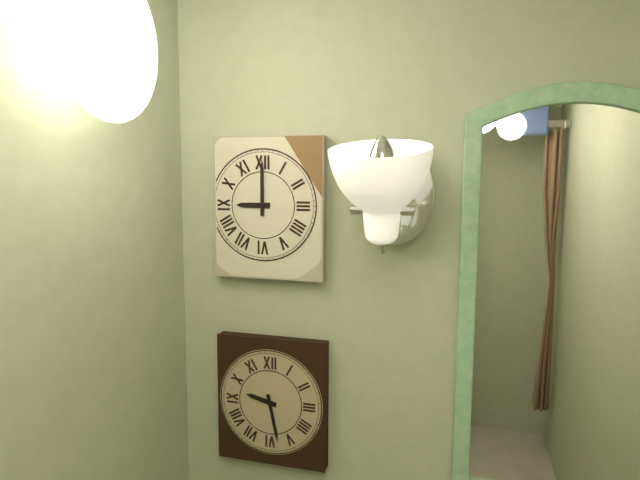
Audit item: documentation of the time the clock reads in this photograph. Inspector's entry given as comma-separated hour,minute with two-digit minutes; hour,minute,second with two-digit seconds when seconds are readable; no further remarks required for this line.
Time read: 9,00
